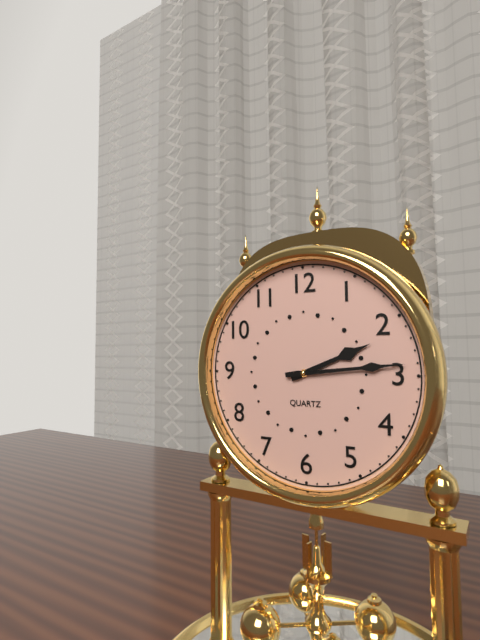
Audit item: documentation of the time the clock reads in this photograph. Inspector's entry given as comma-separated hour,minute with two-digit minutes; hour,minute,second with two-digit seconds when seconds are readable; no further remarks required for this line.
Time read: 2,14
